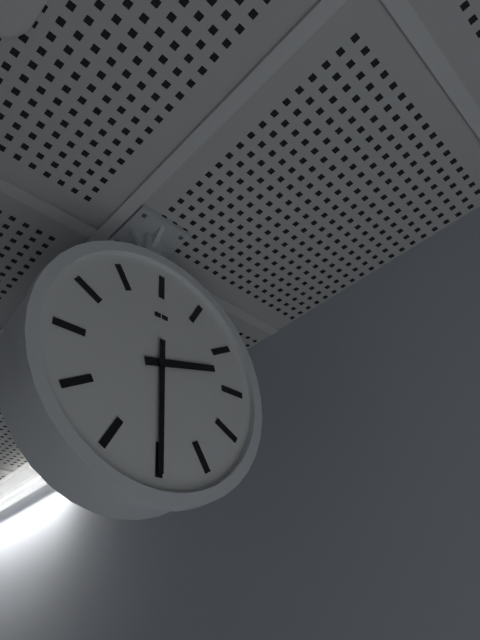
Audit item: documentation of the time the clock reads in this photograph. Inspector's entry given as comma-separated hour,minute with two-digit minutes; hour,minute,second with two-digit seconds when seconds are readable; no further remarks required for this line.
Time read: 2,30
